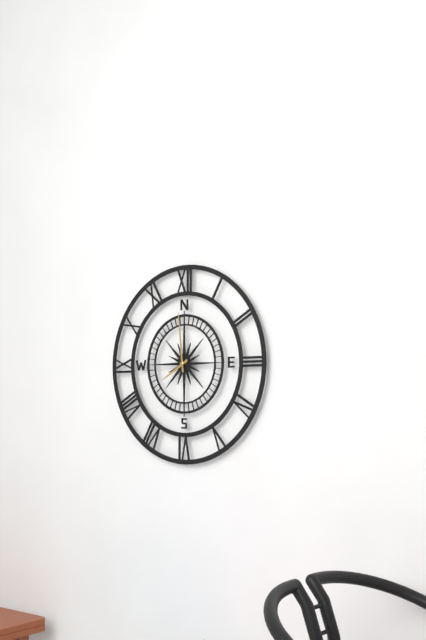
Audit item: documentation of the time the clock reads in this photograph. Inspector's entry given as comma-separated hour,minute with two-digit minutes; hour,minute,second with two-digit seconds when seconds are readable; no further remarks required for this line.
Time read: 7,59
